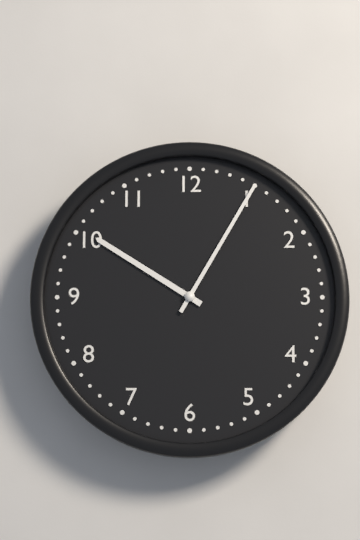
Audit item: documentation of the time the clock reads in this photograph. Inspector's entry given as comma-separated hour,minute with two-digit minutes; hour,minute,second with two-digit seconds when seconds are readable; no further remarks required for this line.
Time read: 10,05
